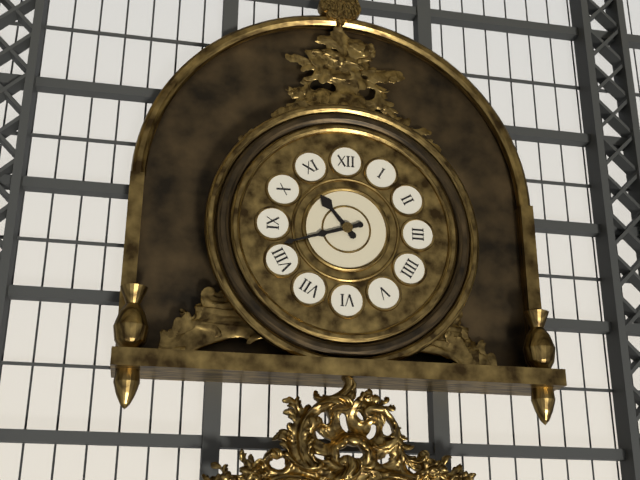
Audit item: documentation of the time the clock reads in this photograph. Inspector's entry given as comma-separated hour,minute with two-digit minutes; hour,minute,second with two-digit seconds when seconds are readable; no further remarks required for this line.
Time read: 10,42
